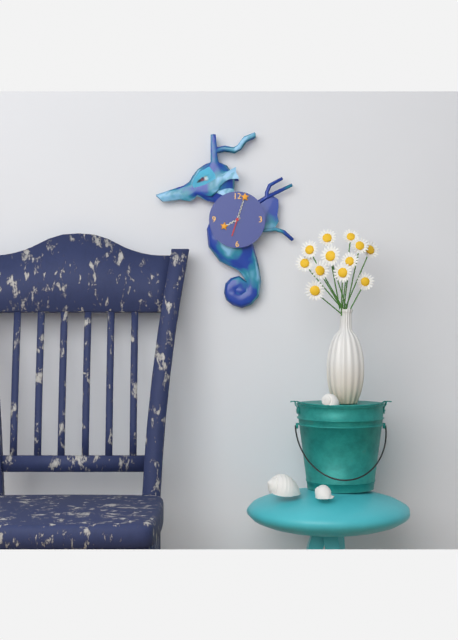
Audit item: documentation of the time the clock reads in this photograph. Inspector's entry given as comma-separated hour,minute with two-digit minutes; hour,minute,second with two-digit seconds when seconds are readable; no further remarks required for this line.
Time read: 8,03
